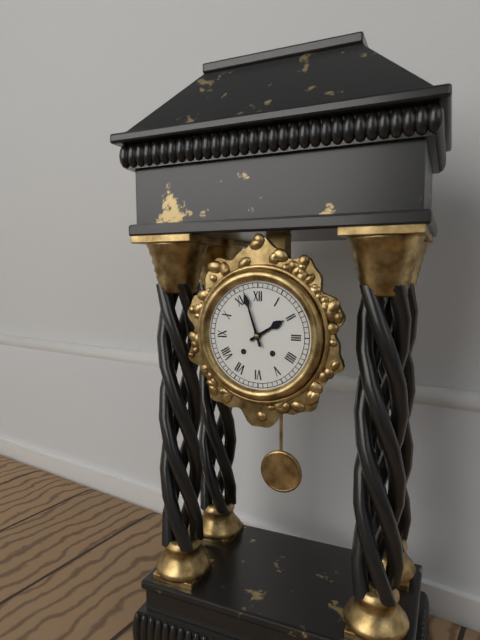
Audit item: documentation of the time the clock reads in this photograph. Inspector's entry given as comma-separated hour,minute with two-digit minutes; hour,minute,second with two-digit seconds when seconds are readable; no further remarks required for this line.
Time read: 1,57
